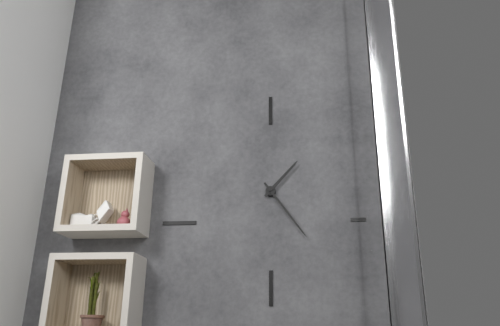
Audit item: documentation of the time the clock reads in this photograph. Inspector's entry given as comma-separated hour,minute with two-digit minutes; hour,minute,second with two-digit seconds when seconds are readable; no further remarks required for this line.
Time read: 1,24
